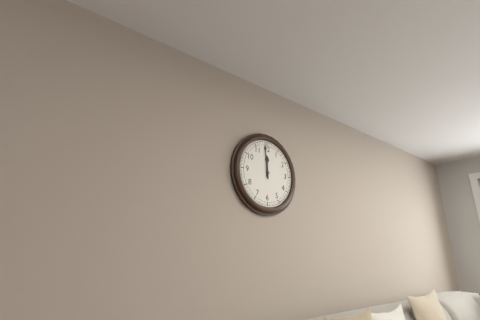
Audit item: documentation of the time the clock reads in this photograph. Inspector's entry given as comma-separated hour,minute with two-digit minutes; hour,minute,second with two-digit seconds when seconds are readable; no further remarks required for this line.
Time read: 11,59
